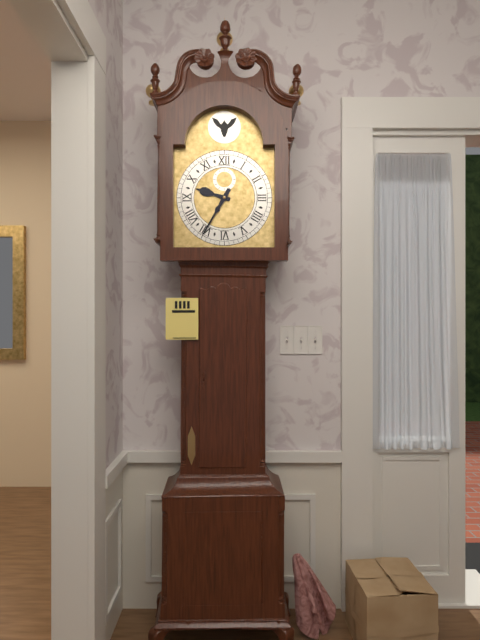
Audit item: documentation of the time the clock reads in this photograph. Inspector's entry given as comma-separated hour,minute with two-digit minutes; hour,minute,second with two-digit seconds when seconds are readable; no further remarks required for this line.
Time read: 9,35
